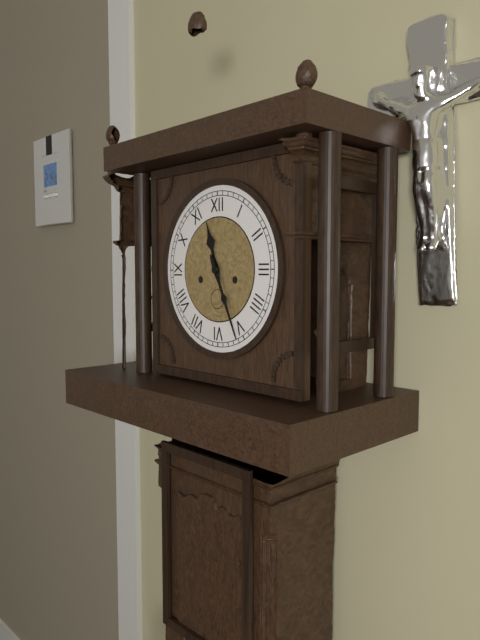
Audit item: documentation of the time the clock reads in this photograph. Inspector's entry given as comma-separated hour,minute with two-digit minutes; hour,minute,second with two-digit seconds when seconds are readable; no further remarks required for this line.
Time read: 11,26
